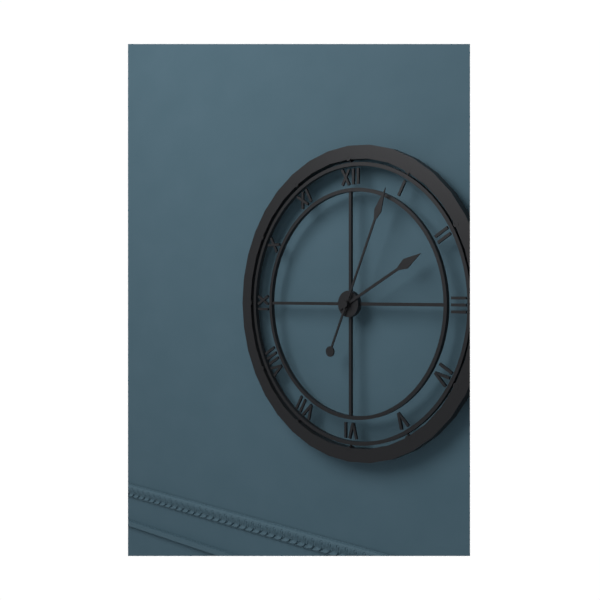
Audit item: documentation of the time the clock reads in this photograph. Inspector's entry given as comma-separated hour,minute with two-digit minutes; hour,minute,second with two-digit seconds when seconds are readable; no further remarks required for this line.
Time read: 2,04
